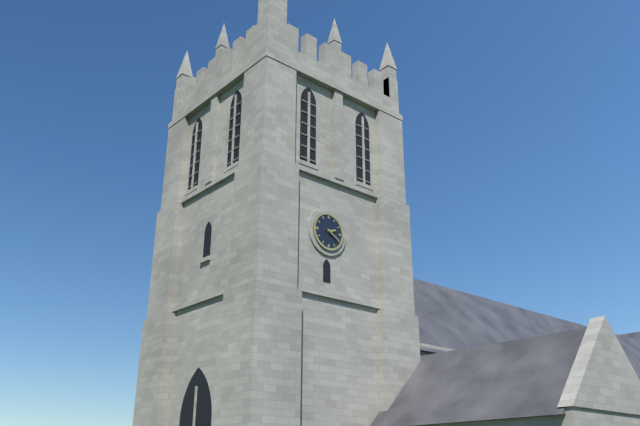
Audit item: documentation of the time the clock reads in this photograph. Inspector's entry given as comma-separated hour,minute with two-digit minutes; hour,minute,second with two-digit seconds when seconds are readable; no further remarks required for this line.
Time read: 2,20
